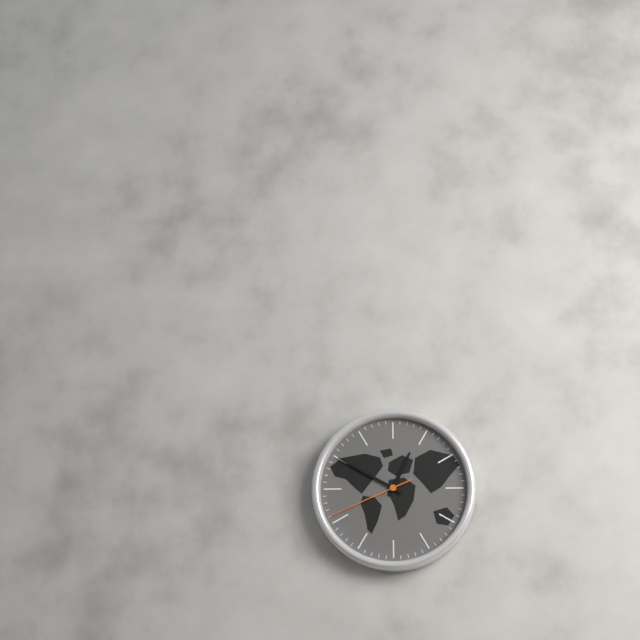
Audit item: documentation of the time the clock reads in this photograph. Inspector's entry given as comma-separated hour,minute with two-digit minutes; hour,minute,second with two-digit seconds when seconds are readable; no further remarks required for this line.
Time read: 12,50,41
